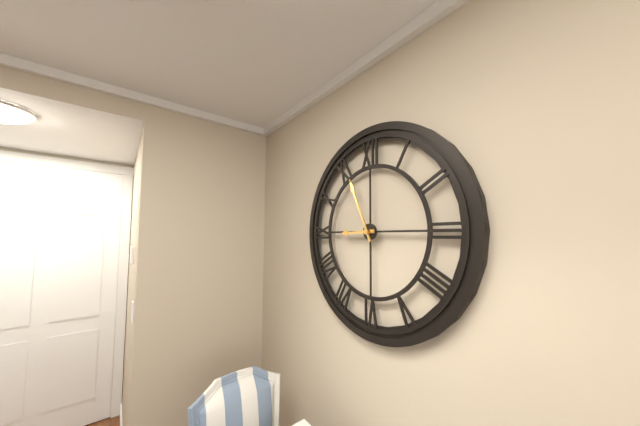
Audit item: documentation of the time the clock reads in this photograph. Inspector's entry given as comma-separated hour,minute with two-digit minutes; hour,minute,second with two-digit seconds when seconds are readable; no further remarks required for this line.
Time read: 8,56
